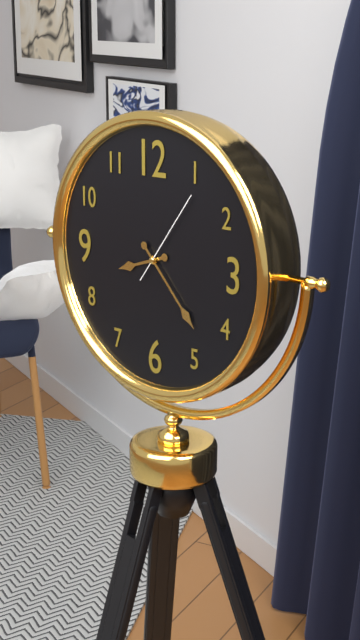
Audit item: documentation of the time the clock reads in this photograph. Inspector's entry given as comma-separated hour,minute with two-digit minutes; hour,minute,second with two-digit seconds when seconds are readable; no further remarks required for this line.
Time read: 8,23,06
